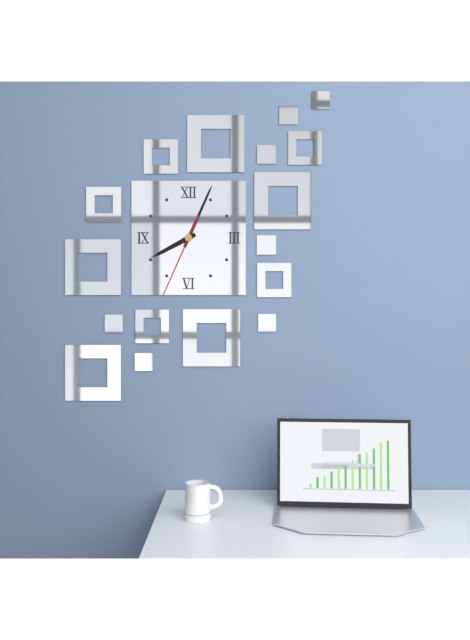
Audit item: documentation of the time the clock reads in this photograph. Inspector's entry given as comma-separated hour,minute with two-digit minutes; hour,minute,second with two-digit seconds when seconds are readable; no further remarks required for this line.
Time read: 8,04,34
